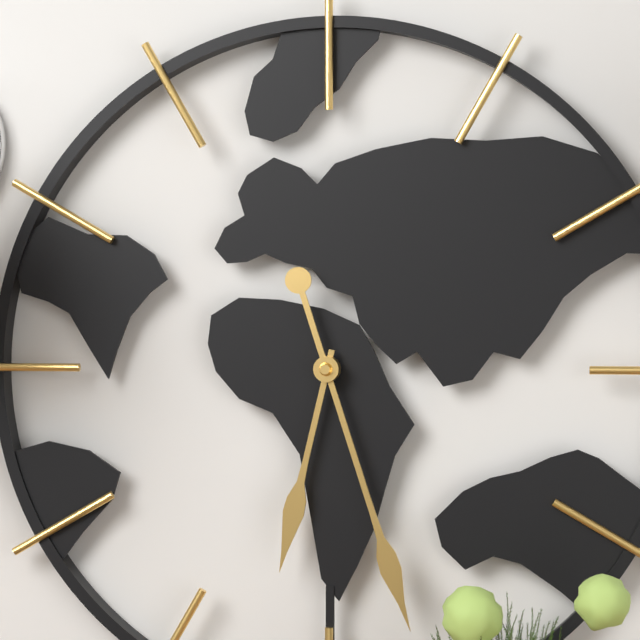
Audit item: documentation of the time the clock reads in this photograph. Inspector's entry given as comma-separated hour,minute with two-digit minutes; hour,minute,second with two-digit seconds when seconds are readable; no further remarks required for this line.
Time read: 6,27
